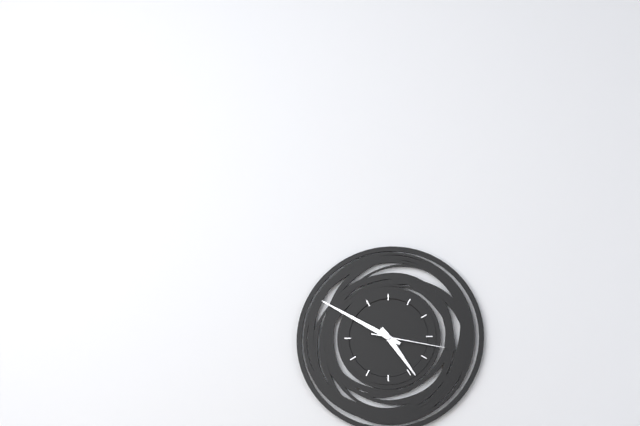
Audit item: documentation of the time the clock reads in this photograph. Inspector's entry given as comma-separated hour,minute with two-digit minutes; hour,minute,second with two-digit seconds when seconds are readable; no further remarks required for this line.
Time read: 4,50,17
